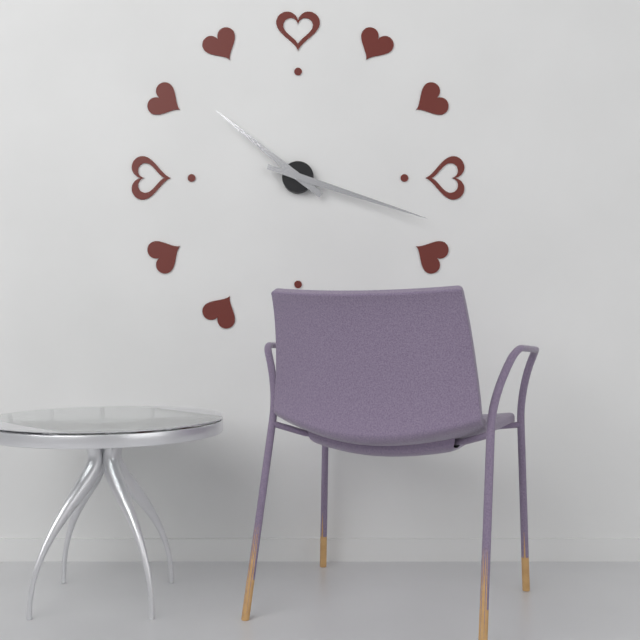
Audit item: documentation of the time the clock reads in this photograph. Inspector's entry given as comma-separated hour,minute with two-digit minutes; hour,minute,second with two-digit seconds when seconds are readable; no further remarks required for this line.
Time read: 10,18
